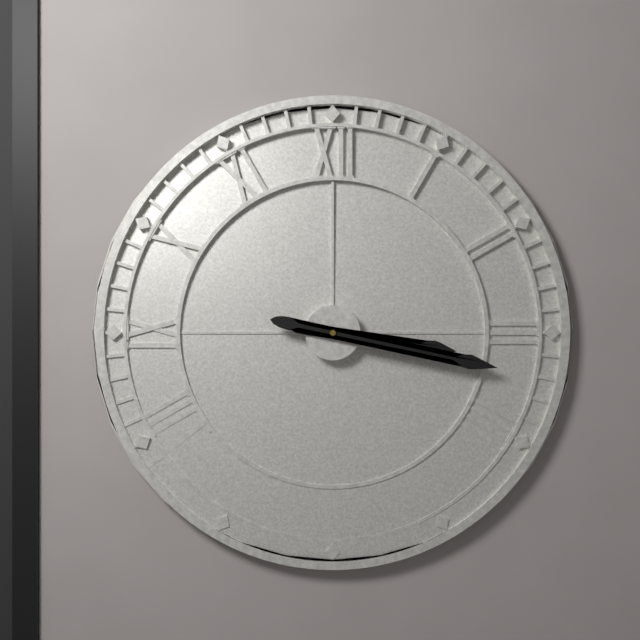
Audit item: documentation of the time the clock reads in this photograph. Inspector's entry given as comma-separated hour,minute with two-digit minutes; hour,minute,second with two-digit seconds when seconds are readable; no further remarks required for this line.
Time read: 3,17
